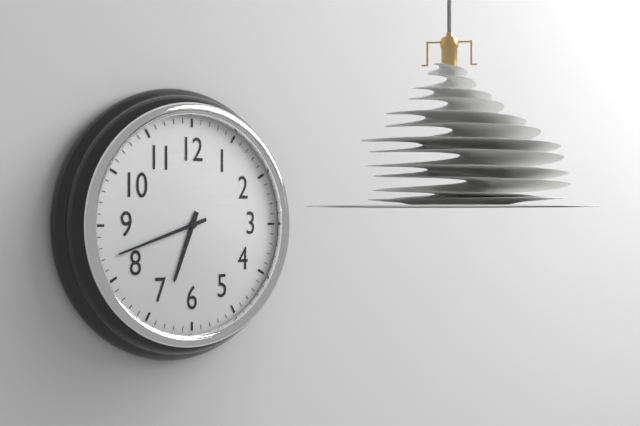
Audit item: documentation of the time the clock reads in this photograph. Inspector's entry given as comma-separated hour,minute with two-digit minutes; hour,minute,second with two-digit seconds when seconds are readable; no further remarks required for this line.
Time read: 6,42
